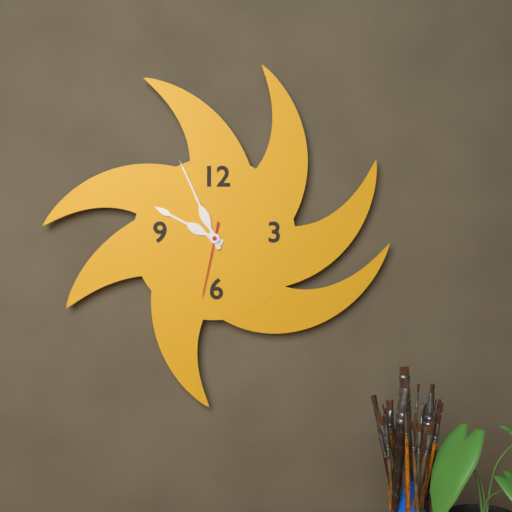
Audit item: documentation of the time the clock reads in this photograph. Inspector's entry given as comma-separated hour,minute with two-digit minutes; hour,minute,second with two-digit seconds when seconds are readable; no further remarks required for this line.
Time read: 9,56,32
